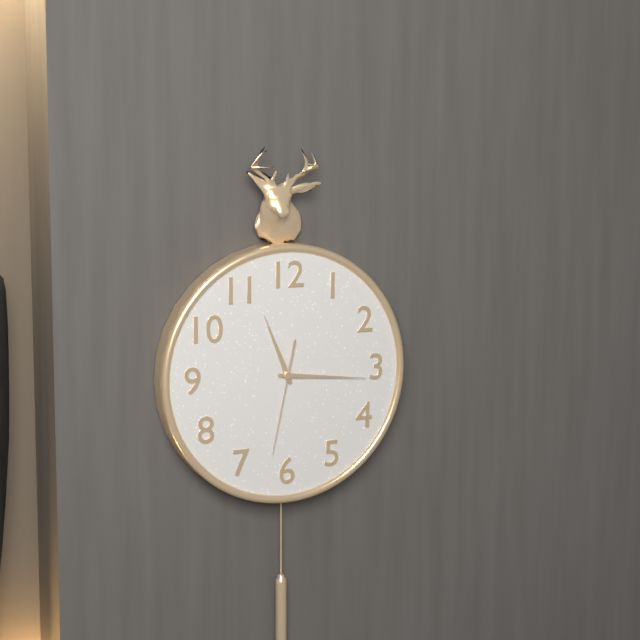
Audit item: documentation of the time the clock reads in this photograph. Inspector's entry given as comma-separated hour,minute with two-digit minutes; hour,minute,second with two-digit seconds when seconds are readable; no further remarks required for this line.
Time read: 11,16,32
